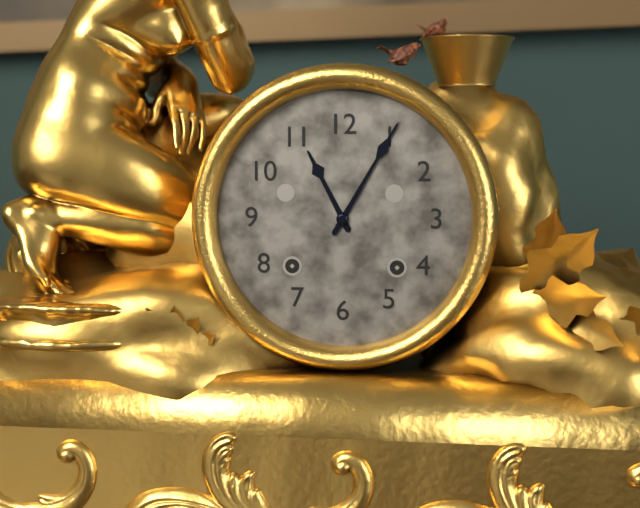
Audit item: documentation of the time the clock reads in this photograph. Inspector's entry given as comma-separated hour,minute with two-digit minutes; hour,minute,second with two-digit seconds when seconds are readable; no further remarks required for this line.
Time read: 11,05
